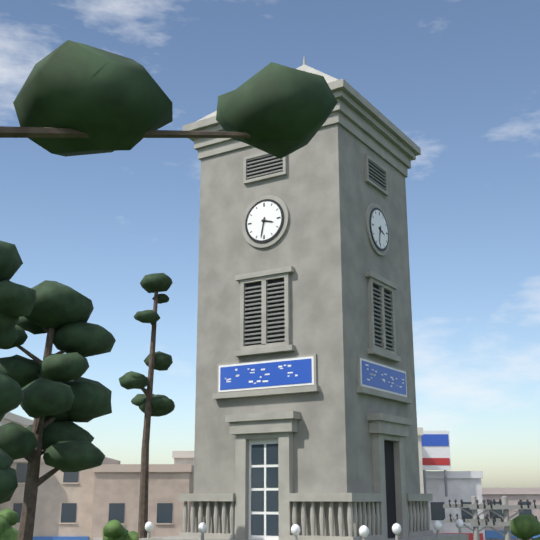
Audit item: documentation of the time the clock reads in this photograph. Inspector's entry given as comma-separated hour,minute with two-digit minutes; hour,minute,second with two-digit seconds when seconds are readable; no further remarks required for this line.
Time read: 3,32
